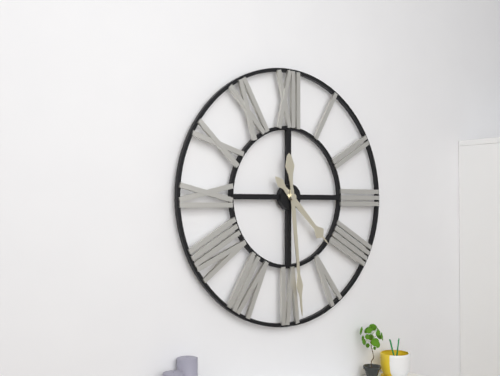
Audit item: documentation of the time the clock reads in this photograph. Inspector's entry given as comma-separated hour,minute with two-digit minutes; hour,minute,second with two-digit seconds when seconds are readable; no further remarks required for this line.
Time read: 4,29
